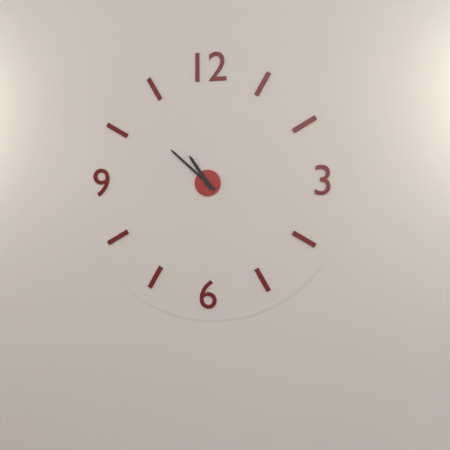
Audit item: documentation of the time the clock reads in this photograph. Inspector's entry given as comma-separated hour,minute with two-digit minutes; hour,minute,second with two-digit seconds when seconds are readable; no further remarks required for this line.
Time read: 10,52
